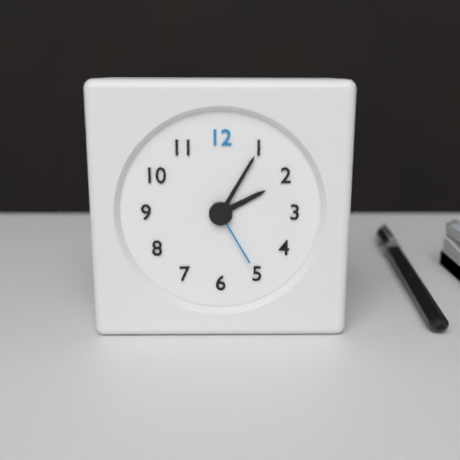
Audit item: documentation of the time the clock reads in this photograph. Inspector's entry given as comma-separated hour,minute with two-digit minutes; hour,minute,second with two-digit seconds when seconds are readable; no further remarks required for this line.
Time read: 2,05,25
